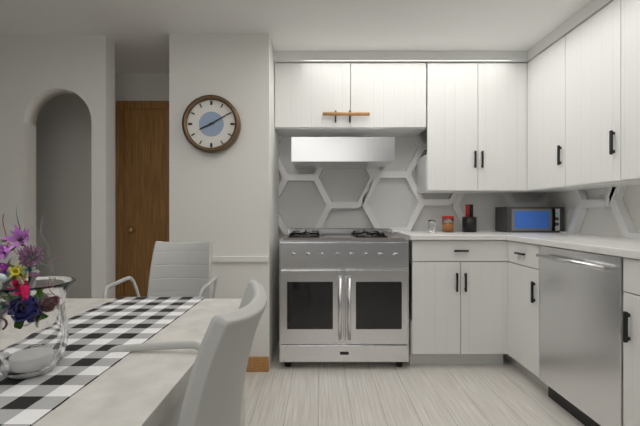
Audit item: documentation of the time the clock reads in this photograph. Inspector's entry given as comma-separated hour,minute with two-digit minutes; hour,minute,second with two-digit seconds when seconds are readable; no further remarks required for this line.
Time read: 8,10
